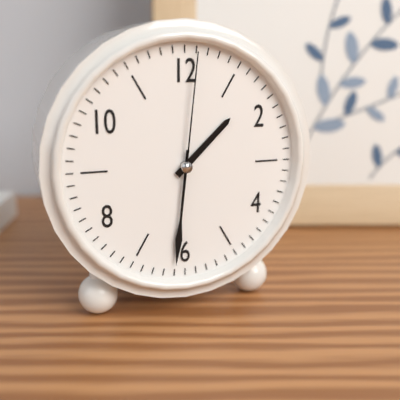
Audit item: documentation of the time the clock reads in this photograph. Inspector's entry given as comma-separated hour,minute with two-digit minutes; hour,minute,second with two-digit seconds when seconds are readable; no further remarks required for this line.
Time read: 1,31,01
